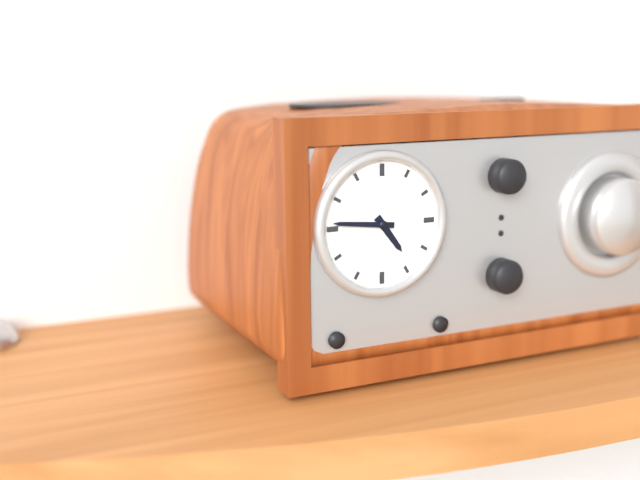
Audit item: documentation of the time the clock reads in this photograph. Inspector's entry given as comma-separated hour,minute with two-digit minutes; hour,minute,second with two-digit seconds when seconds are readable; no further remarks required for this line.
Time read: 4,46
